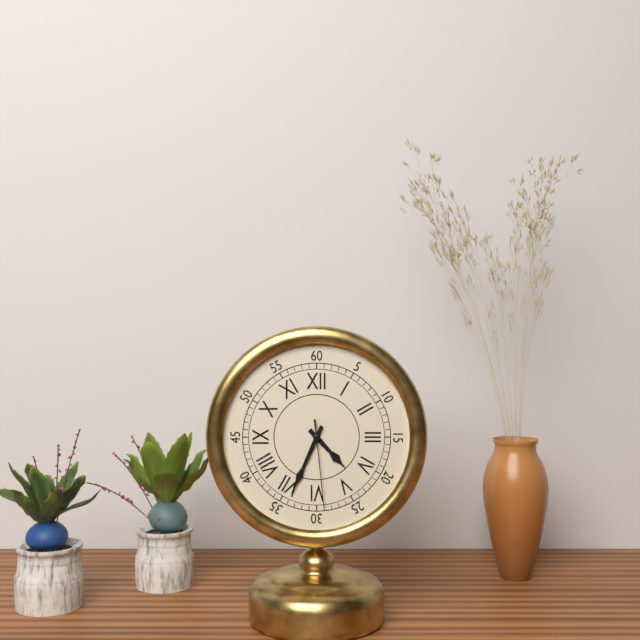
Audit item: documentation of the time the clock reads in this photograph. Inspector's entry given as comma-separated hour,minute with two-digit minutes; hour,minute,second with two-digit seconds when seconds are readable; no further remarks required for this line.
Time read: 4,34,29
